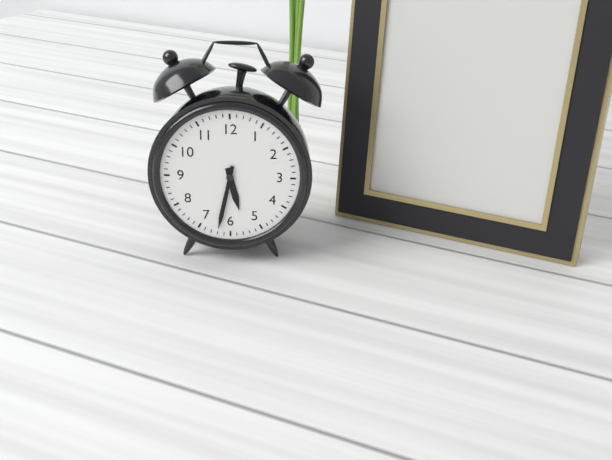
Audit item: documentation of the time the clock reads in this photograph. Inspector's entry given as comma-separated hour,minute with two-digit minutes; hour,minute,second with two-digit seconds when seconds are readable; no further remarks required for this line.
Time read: 5,32
